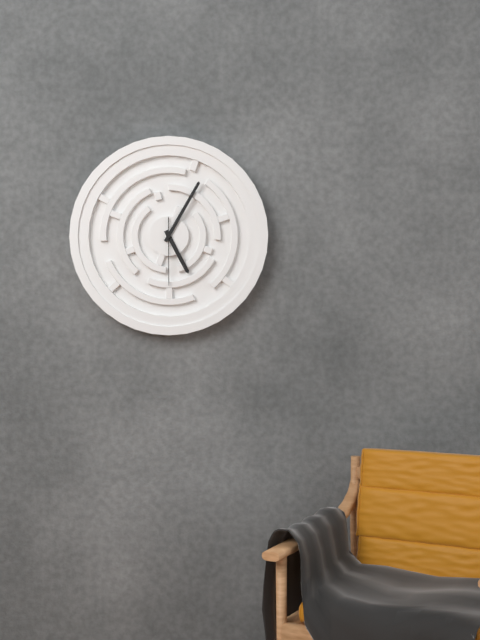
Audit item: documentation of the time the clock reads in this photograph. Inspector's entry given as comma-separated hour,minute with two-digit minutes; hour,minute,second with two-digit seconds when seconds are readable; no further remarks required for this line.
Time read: 5,05,30
